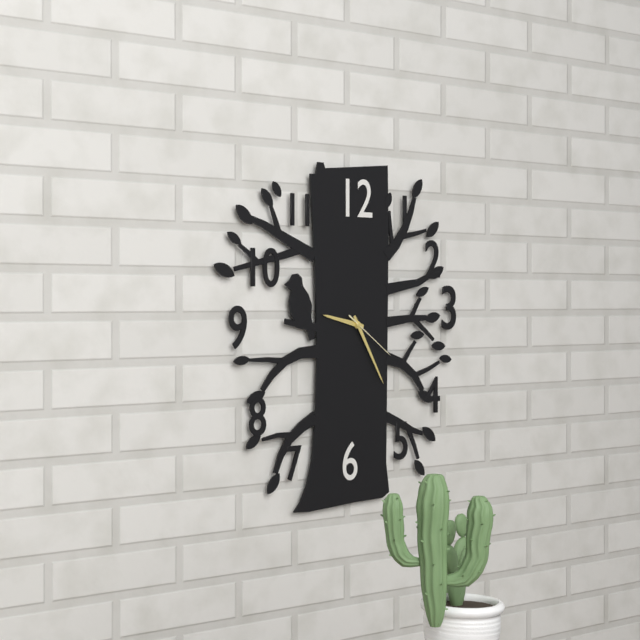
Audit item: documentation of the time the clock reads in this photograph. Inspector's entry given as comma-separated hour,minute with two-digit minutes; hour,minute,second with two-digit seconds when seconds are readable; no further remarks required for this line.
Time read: 9,25,21
